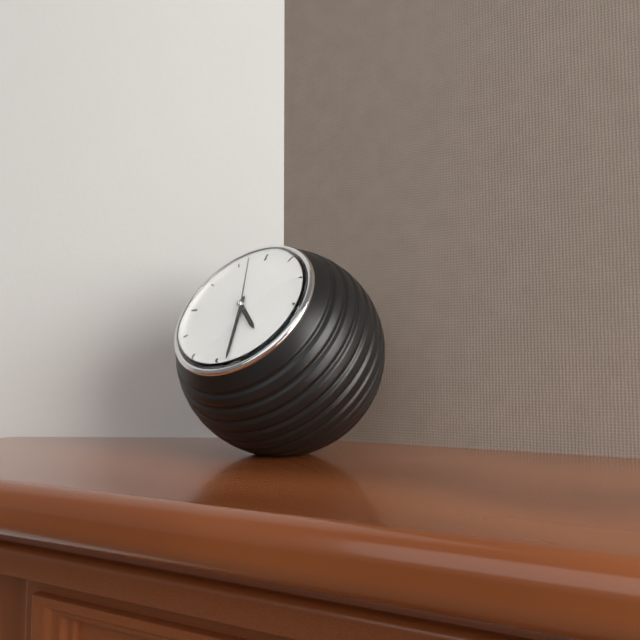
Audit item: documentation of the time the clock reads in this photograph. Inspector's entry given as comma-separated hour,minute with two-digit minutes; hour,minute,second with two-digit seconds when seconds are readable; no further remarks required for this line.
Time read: 4,28,57
